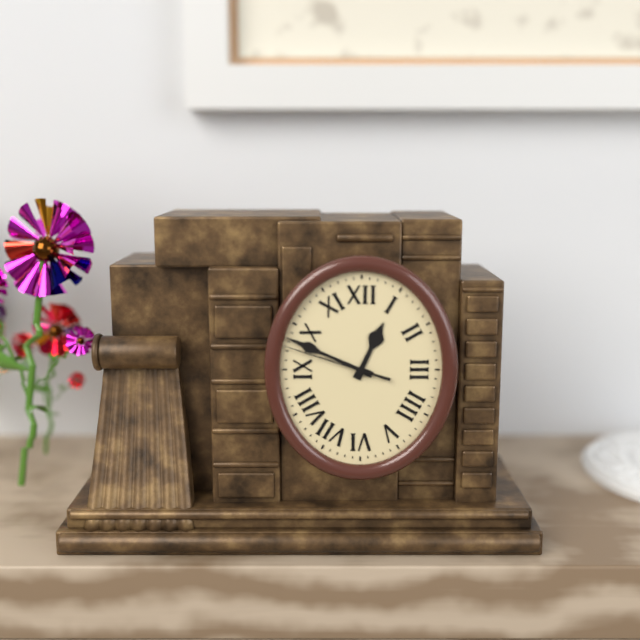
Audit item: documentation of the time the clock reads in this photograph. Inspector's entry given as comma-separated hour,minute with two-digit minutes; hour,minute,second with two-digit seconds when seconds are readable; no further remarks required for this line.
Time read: 12,49,48
